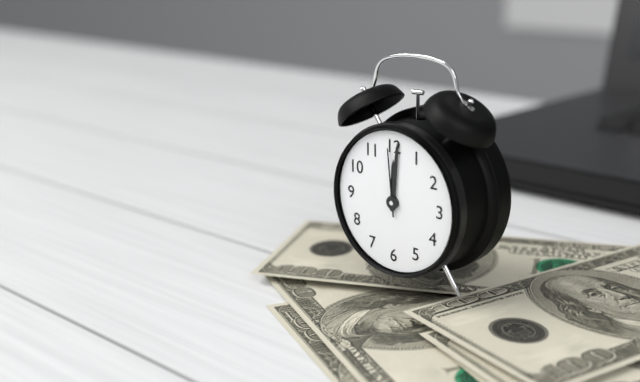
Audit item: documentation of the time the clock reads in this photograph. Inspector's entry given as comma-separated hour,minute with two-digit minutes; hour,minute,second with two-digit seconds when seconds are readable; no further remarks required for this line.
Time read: 12,01,59
